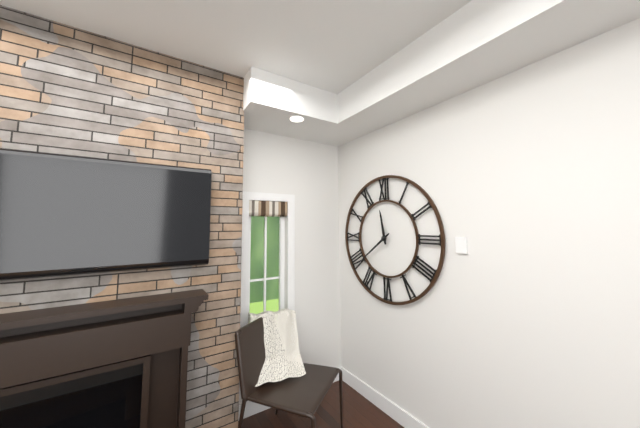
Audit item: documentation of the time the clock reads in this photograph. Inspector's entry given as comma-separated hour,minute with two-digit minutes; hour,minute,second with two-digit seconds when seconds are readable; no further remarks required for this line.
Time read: 11,39
